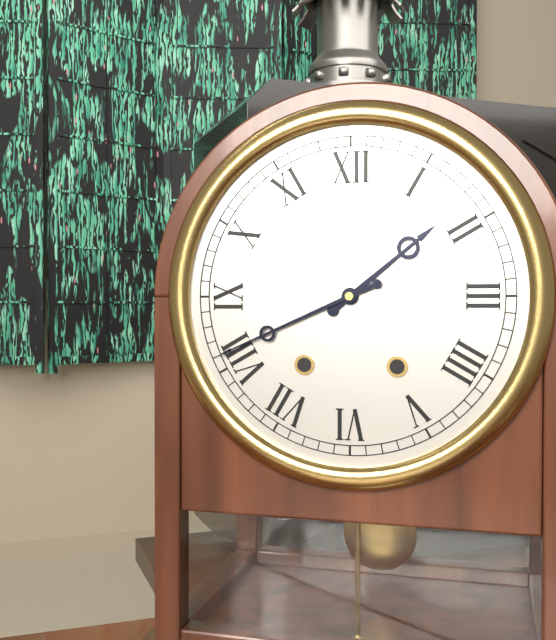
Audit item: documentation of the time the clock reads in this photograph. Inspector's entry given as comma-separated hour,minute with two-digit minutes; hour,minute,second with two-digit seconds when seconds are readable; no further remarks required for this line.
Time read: 1,41
